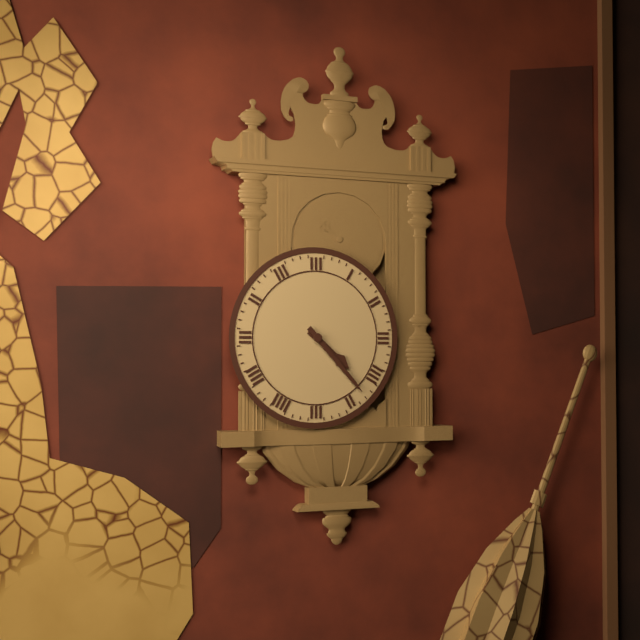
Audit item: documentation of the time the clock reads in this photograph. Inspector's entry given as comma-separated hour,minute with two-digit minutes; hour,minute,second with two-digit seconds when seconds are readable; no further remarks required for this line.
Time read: 4,23
